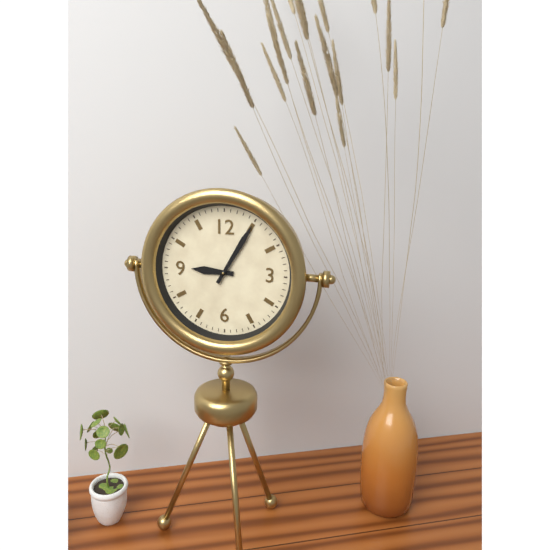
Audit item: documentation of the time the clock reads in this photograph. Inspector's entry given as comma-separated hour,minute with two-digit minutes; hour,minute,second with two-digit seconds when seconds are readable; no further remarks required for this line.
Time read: 9,05
